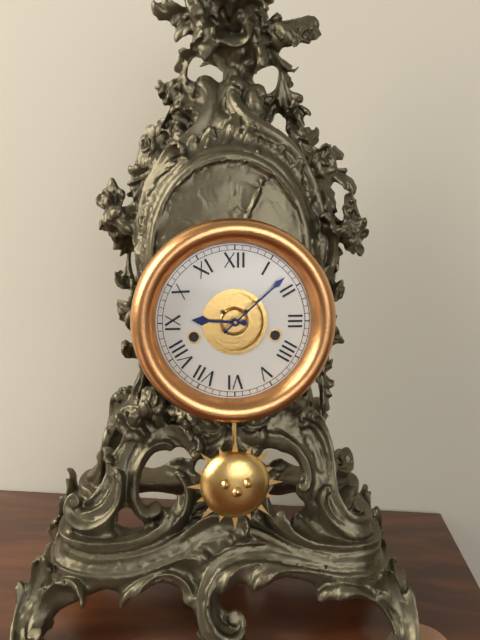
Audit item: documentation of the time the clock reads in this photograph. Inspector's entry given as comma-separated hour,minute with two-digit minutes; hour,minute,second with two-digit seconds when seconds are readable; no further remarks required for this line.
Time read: 9,08
